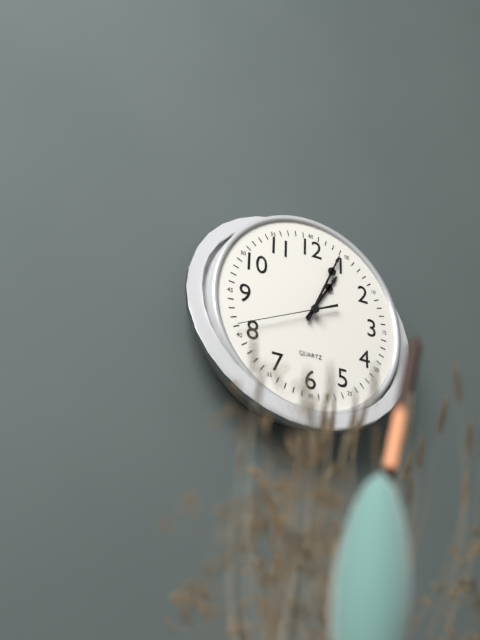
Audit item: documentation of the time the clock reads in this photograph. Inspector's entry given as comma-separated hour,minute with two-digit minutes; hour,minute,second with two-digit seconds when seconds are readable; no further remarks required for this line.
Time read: 1,04,41
